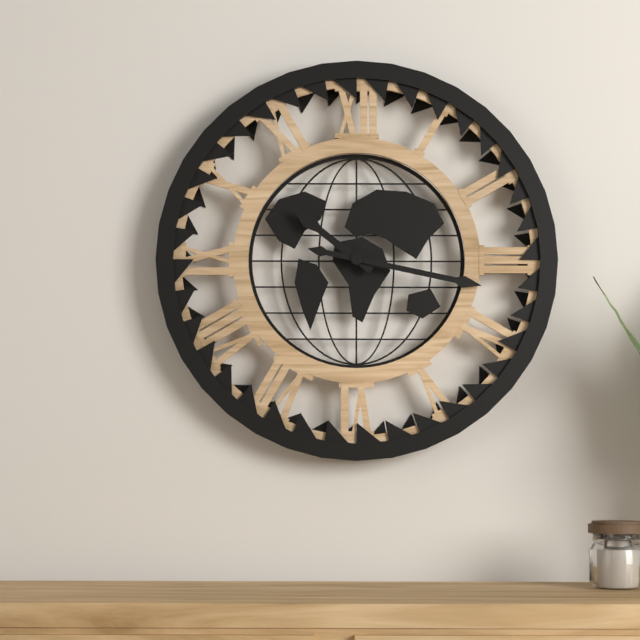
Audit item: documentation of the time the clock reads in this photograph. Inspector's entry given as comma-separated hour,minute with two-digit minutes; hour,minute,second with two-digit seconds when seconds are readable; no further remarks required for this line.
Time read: 10,17
